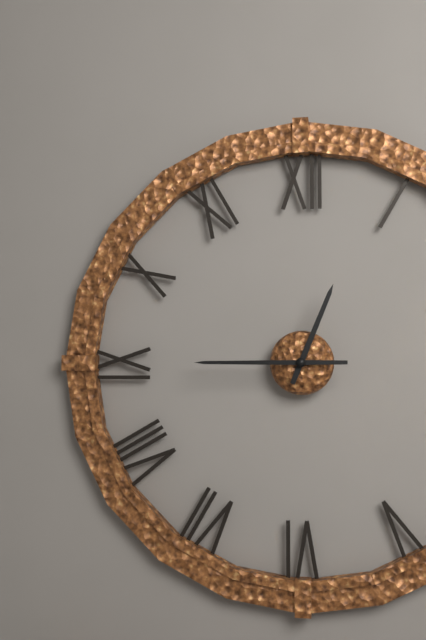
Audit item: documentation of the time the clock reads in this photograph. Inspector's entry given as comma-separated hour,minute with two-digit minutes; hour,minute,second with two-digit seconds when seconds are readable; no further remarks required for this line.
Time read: 12,45
